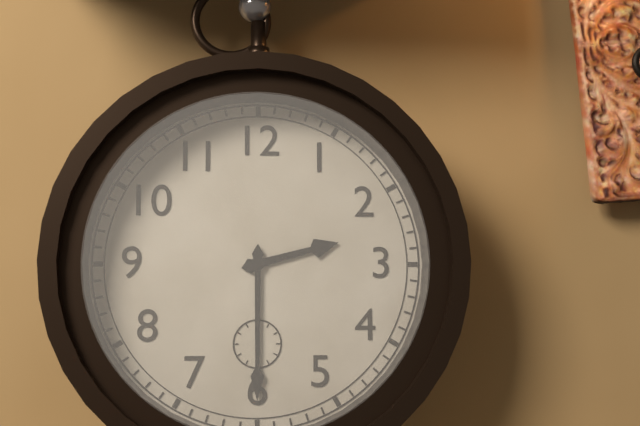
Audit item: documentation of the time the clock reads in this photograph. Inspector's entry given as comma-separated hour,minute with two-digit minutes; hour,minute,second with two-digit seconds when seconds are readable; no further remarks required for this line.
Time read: 2,30
